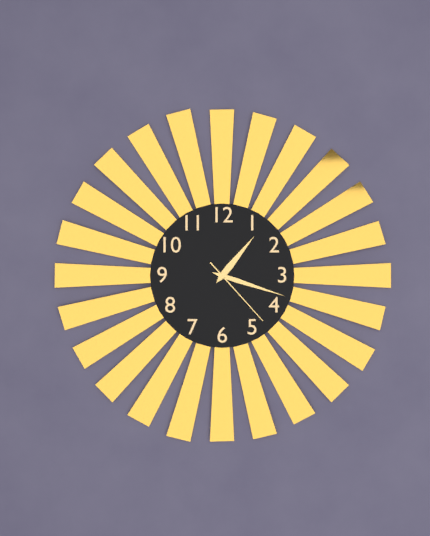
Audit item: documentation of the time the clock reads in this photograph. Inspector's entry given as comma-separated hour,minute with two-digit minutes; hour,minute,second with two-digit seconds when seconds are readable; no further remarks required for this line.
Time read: 1,18,23
